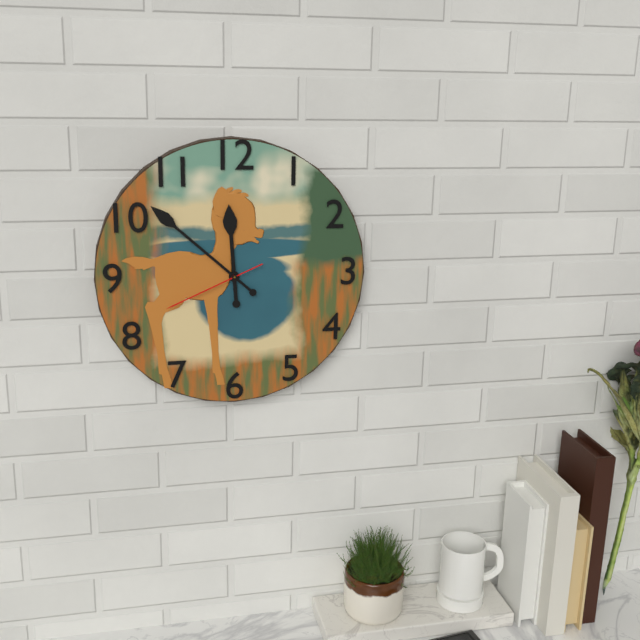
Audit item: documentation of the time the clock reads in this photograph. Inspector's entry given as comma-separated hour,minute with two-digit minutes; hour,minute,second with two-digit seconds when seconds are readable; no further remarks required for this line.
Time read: 11,52,41
